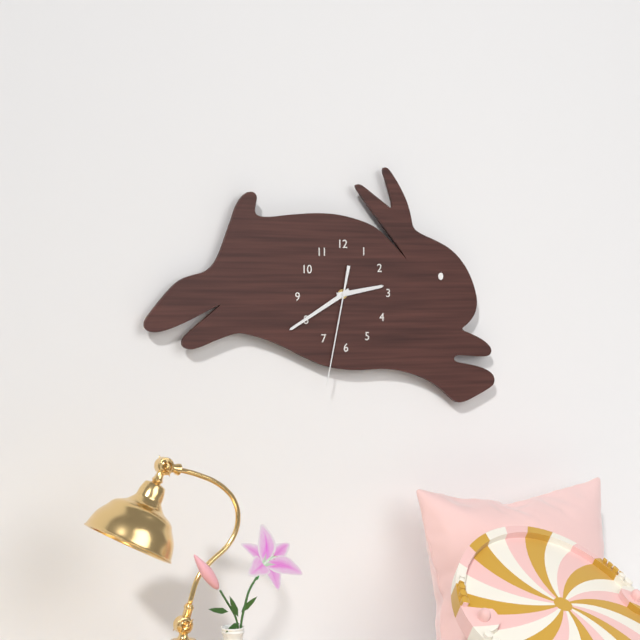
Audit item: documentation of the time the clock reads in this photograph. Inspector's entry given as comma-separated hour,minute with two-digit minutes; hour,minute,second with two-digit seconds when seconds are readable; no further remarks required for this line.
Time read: 2,40,32
